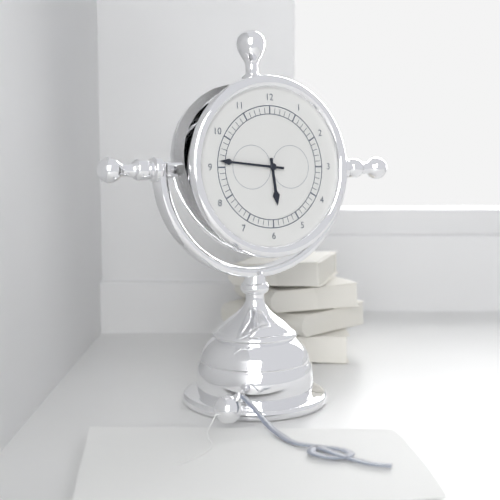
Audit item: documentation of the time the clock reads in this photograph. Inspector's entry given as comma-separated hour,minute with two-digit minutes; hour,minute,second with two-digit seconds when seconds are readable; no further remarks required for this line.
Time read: 5,46
